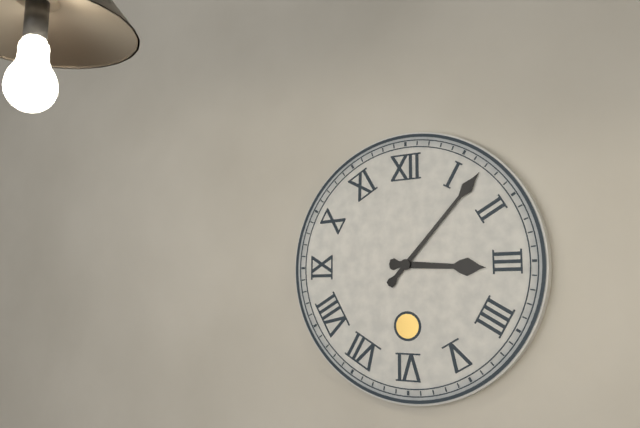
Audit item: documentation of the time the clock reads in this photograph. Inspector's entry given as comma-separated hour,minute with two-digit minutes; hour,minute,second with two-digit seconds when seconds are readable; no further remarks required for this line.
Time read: 3,07
